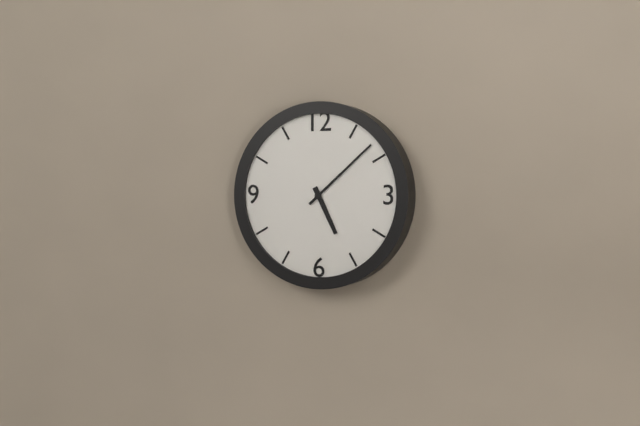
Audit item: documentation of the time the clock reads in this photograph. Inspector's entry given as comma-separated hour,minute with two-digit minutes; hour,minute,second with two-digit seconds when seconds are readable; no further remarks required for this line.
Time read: 5,08
